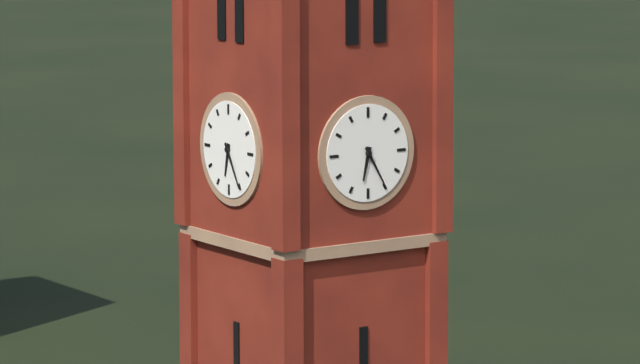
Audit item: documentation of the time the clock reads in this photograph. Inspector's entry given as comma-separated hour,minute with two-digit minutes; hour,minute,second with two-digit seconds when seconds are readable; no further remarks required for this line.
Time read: 6,25
